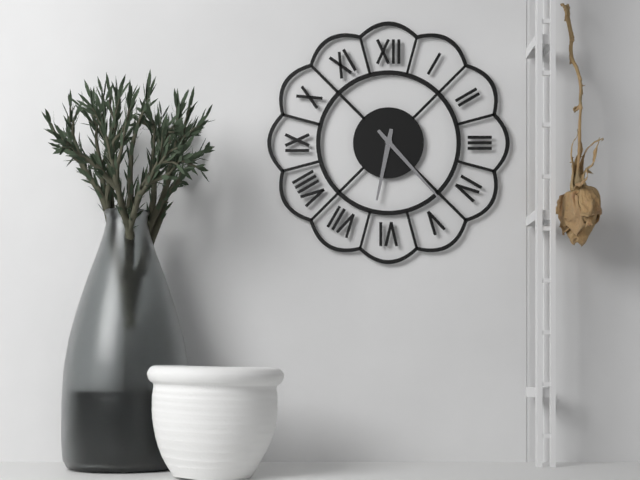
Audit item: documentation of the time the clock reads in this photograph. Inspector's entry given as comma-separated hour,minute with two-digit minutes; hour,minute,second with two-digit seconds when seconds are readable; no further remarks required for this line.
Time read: 6,23
